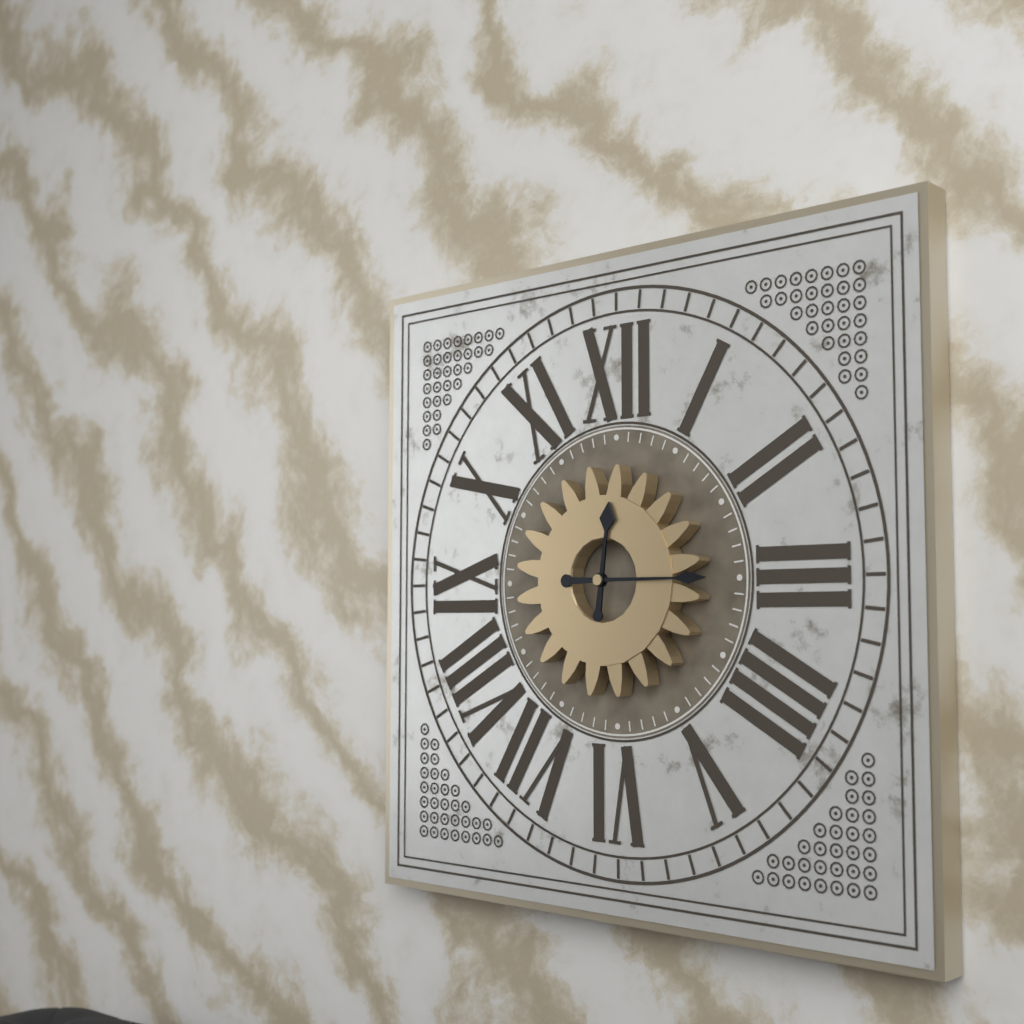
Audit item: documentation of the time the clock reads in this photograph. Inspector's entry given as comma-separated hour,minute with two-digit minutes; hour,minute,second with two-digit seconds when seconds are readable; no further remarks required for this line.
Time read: 12,15
